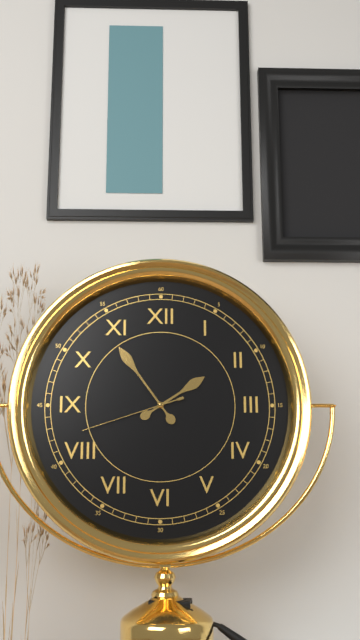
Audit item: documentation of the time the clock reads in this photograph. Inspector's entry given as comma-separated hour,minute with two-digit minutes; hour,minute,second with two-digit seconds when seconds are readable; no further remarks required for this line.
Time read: 1,54,42
